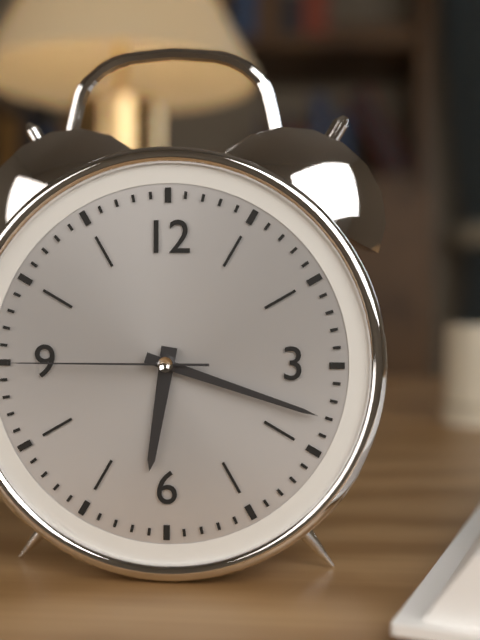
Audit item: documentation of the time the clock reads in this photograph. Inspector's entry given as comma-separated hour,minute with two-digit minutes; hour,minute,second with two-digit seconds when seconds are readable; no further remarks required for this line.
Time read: 6,18,45
